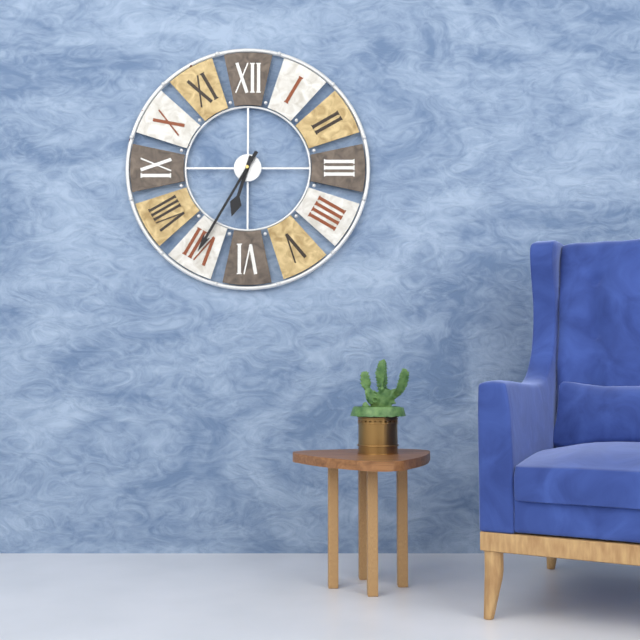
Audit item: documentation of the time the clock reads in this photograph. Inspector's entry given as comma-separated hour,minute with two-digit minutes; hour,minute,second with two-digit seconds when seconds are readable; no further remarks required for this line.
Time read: 6,35
